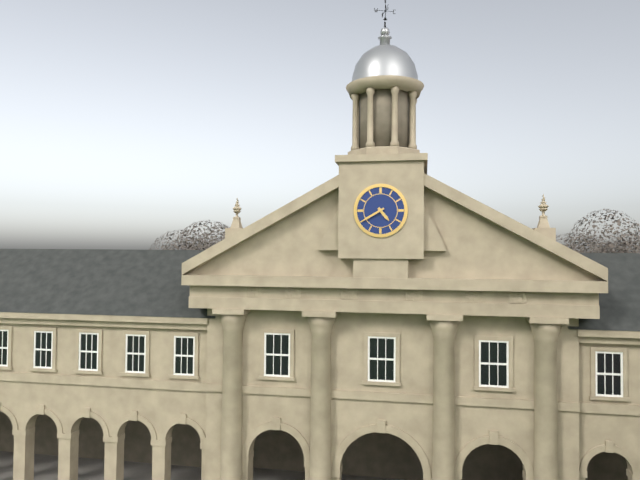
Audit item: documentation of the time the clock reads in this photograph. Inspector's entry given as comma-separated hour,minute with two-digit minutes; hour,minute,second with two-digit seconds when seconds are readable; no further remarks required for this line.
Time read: 4,40
